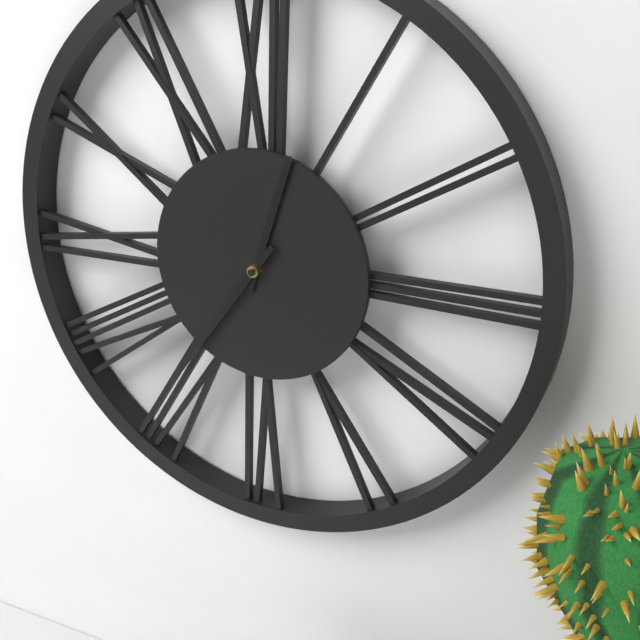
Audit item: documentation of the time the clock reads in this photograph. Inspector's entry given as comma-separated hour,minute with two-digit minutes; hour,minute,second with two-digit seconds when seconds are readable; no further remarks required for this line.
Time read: 12,36
